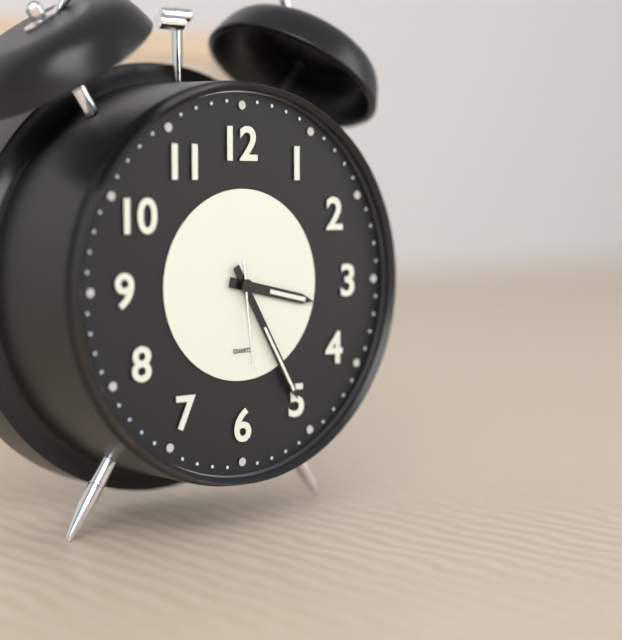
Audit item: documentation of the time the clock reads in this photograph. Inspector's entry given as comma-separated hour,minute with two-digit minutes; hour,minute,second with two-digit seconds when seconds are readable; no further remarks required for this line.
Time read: 3,25,29
